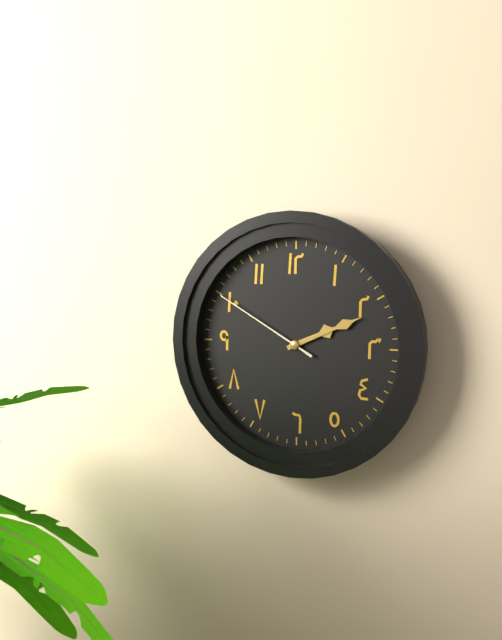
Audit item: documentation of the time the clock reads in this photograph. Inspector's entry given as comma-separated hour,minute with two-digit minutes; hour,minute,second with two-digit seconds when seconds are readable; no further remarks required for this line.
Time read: 2,11,50
